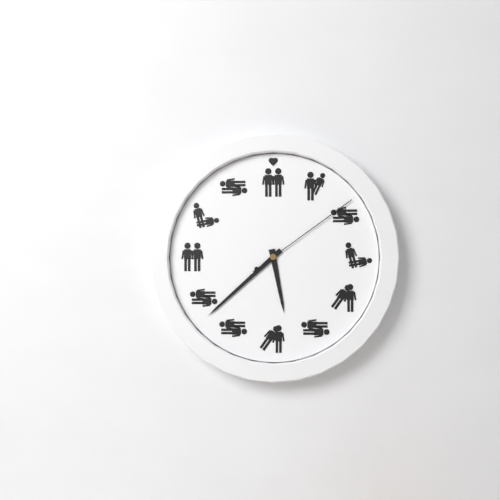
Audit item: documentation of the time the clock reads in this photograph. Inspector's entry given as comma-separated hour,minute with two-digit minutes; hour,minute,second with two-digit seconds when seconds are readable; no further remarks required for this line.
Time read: 5,38,09
